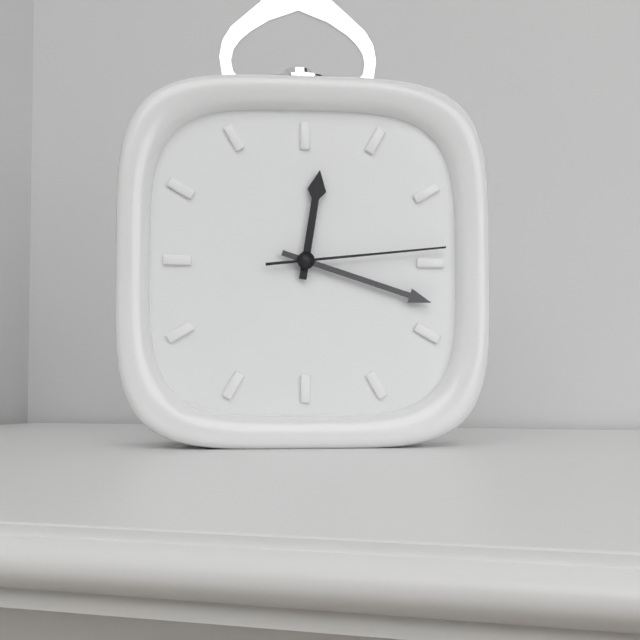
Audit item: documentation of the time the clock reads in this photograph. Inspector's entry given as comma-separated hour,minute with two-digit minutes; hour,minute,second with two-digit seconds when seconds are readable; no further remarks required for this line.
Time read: 12,18,14
